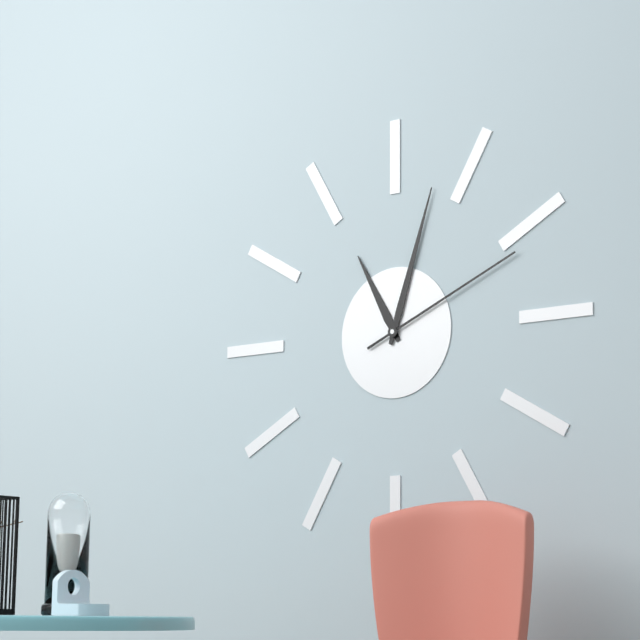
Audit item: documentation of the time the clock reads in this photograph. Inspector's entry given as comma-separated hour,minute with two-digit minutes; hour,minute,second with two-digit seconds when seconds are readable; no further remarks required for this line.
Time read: 11,03,11
